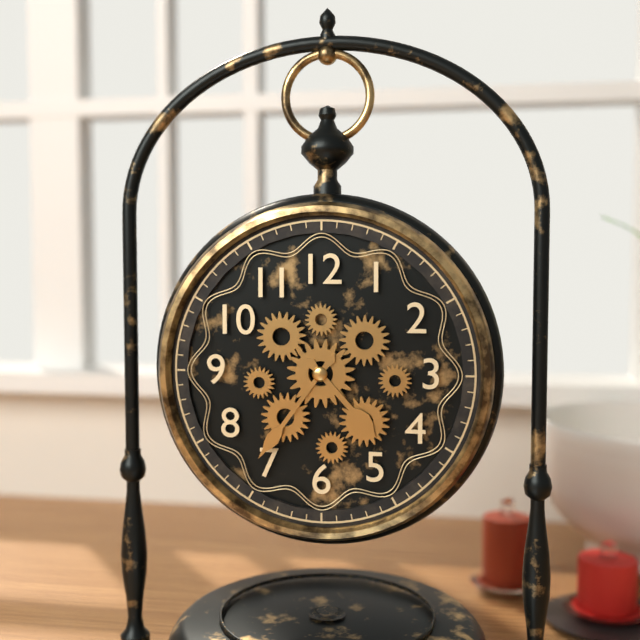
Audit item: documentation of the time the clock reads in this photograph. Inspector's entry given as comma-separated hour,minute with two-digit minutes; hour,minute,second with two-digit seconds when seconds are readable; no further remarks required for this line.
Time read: 4,36
